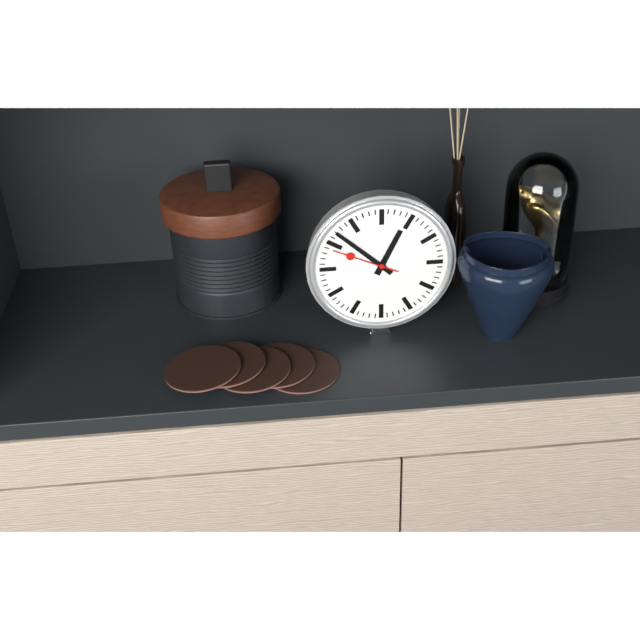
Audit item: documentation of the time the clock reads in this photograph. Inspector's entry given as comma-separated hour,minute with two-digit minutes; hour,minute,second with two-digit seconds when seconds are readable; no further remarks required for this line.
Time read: 12,52,49
